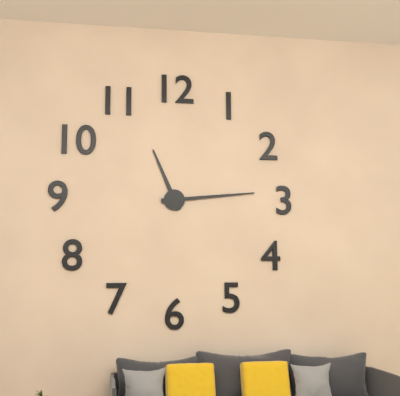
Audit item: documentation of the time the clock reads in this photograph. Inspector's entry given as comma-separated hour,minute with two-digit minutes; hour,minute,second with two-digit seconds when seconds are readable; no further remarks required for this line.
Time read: 11,14
